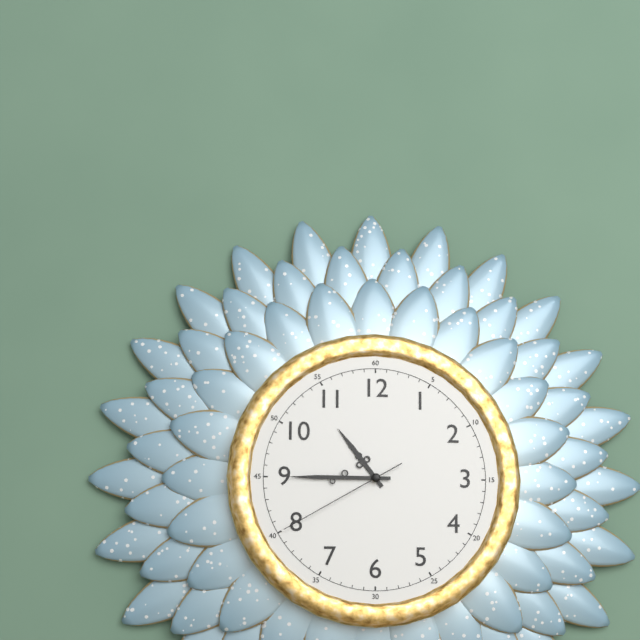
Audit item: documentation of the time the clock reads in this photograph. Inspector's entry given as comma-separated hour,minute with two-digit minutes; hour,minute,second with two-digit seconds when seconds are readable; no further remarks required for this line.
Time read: 10,45,40
